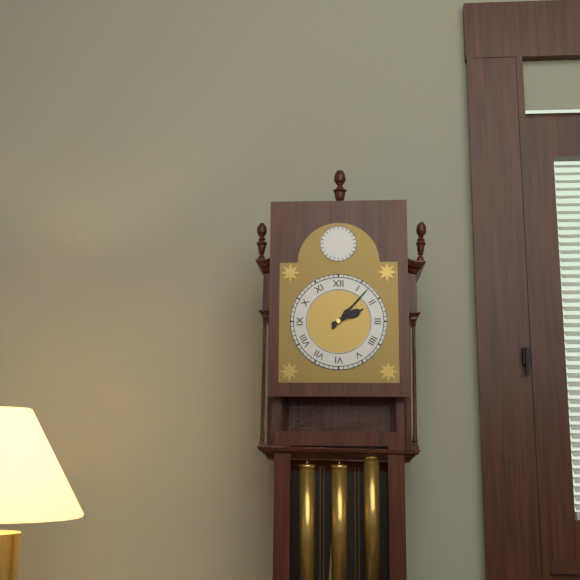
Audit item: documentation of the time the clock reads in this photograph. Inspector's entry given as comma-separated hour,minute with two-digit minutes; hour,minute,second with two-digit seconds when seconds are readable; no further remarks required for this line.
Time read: 2,07
